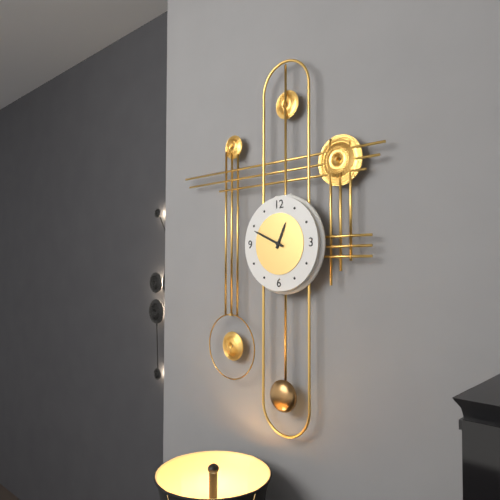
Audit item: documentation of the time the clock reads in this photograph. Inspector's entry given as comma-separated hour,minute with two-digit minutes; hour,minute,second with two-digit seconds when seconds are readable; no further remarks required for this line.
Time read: 12,49
